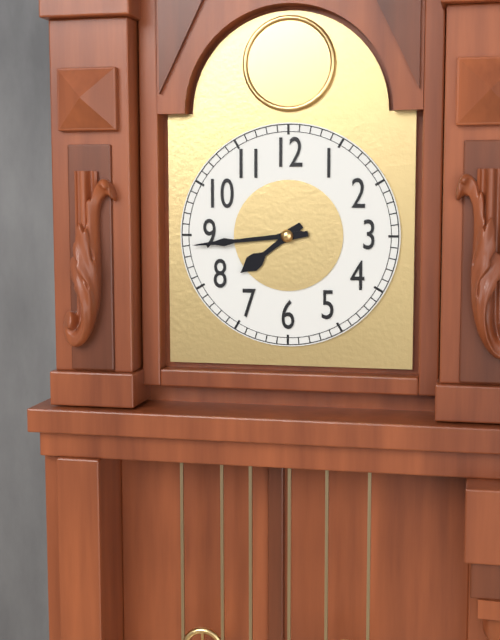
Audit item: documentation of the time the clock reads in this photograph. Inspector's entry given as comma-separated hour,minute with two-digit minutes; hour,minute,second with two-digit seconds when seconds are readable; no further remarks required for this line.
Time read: 7,44
